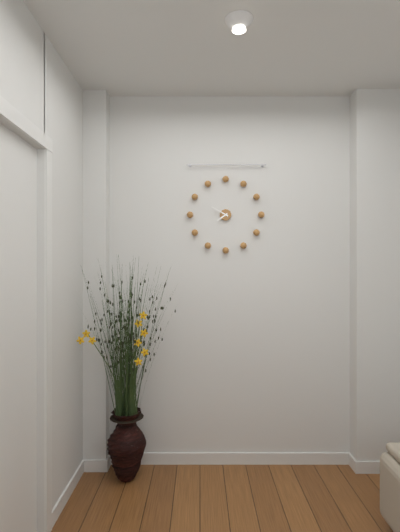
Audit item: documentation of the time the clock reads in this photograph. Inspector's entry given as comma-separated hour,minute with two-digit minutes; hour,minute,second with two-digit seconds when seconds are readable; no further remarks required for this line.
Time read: 7,50
